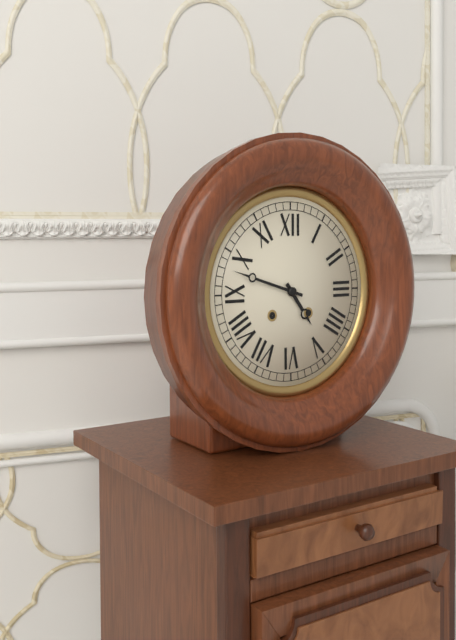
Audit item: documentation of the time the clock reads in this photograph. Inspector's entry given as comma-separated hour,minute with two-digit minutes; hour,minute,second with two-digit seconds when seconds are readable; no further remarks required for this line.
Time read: 4,48
